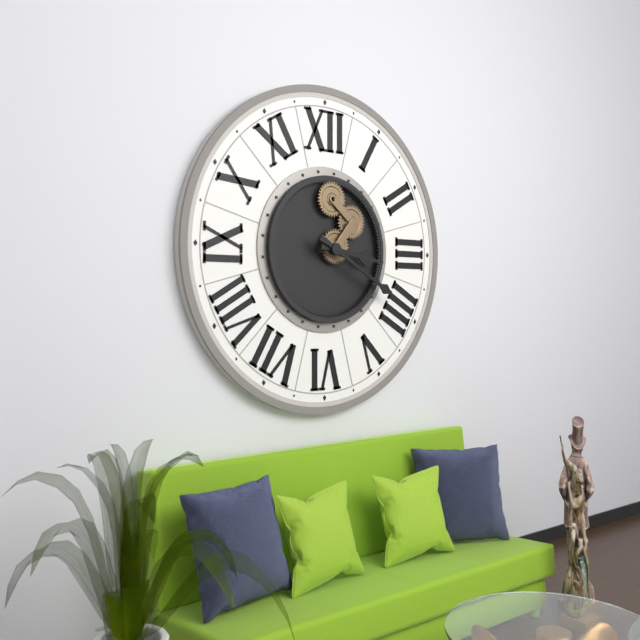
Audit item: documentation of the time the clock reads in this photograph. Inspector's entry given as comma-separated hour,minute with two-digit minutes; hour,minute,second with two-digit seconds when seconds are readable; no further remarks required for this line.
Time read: 3,20
